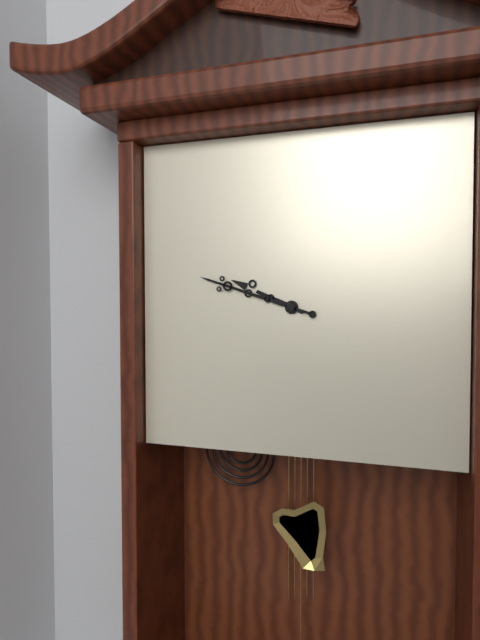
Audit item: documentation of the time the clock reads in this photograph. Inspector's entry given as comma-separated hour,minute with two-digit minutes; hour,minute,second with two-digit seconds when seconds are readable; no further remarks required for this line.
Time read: 9,48
